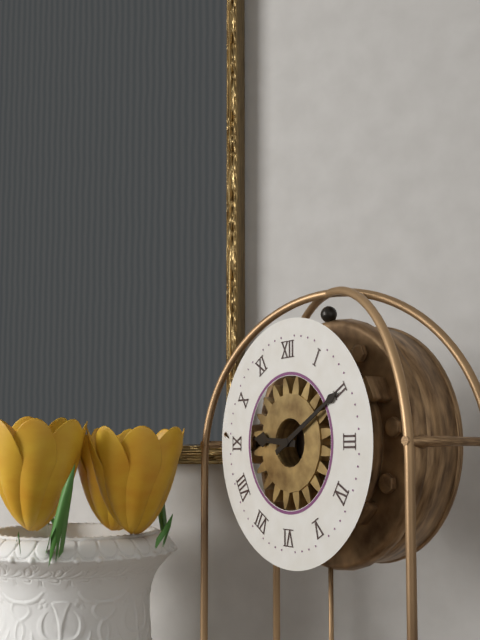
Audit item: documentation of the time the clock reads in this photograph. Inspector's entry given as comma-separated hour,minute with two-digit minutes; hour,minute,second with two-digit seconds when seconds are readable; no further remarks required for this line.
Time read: 9,10
